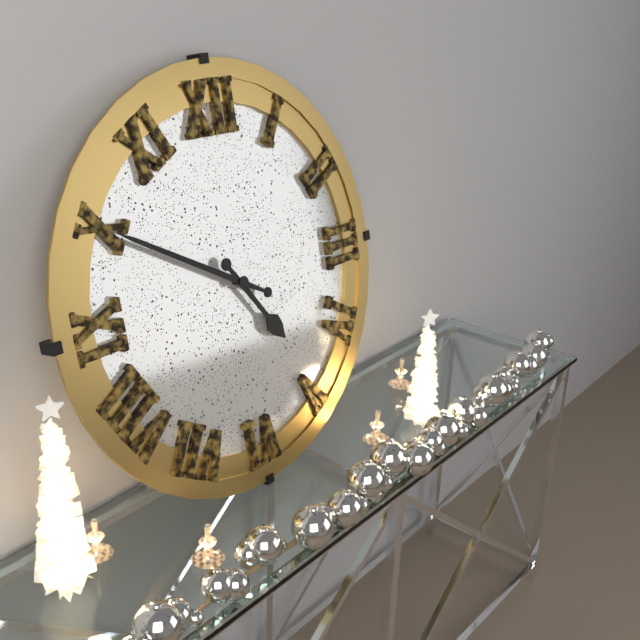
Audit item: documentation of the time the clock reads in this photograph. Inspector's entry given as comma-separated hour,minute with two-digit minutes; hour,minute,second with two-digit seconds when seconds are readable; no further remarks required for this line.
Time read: 4,50
